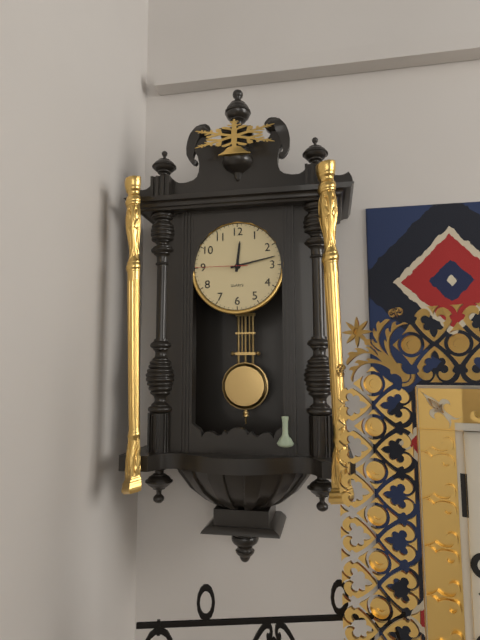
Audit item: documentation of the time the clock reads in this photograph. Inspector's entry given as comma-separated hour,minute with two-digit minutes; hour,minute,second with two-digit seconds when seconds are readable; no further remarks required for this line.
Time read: 12,13,45
